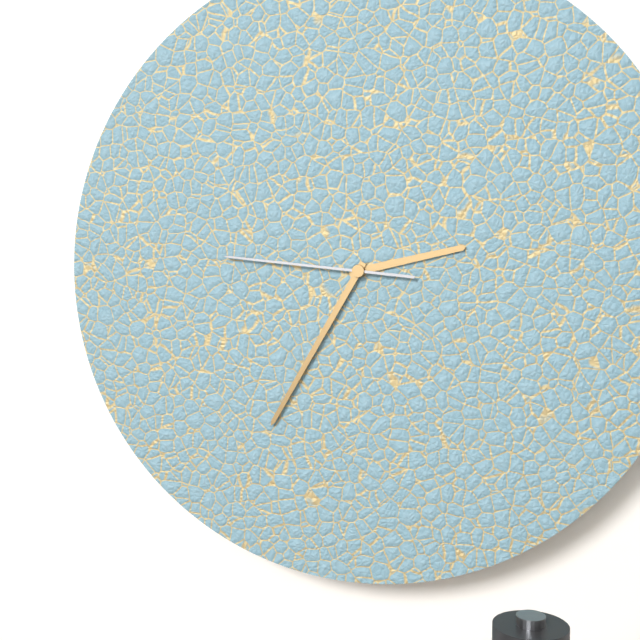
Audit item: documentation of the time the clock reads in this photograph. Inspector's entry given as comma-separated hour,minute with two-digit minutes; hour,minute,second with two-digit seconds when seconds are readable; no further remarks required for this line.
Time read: 2,35,46
